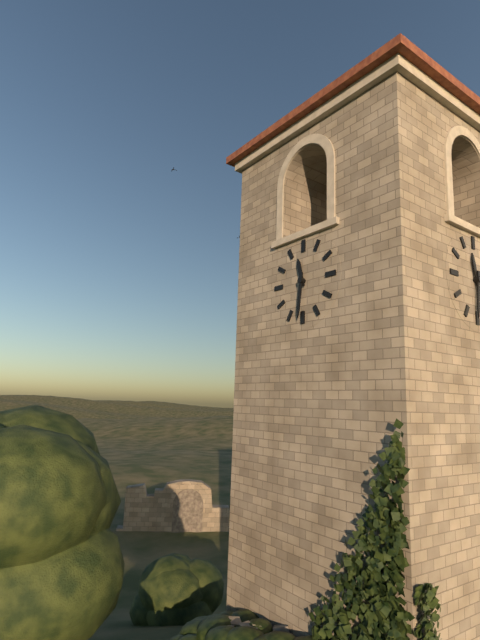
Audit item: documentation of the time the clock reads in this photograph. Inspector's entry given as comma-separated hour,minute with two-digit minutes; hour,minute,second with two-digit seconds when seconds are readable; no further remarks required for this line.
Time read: 11,31
